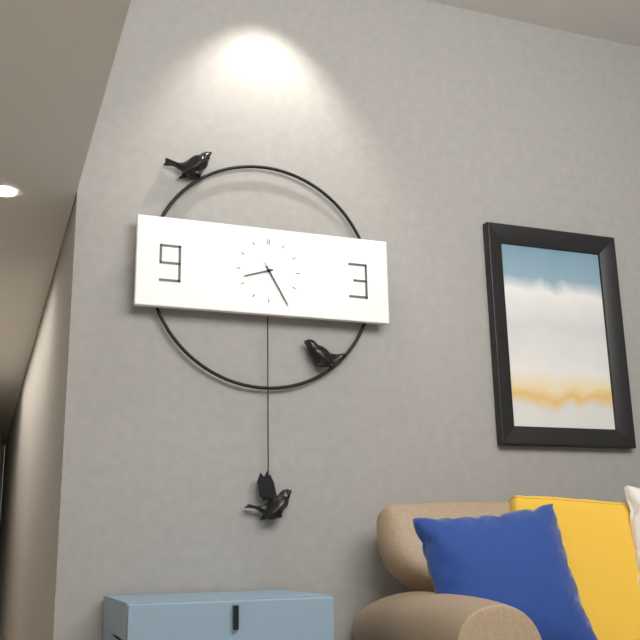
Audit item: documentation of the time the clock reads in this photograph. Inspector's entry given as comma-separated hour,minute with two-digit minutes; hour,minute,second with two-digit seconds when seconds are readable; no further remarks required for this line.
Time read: 8,25
